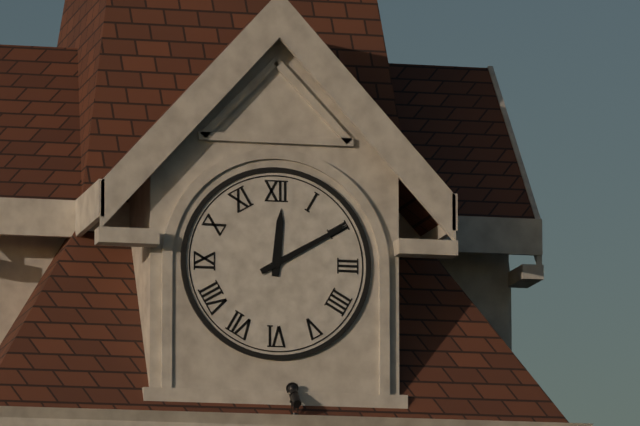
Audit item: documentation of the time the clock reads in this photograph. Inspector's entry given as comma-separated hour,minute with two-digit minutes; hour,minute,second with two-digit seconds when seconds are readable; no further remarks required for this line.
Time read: 12,10
